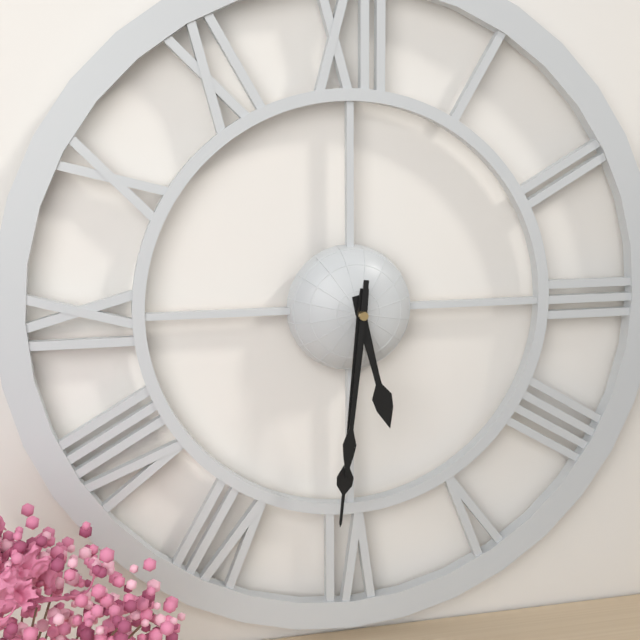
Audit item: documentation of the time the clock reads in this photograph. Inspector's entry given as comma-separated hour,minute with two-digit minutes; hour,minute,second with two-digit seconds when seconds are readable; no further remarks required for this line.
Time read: 5,31,31
